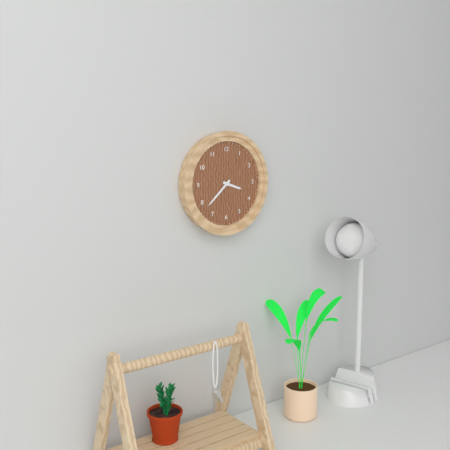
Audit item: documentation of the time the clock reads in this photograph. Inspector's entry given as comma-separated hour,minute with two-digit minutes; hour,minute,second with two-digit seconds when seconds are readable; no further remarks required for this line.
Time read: 3,38
